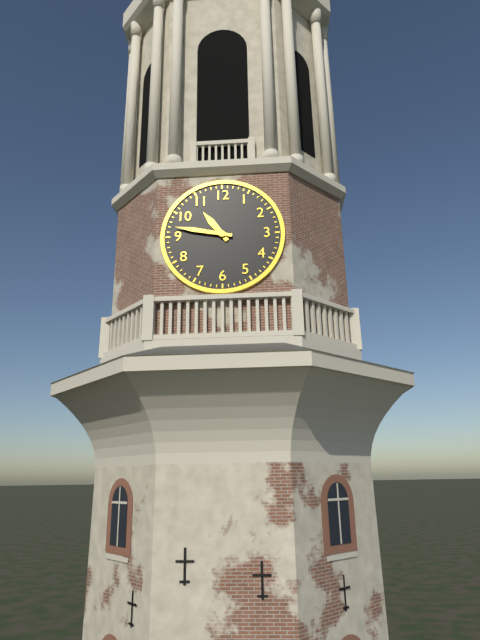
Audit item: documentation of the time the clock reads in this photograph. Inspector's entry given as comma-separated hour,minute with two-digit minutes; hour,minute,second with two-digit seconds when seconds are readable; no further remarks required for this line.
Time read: 10,47
